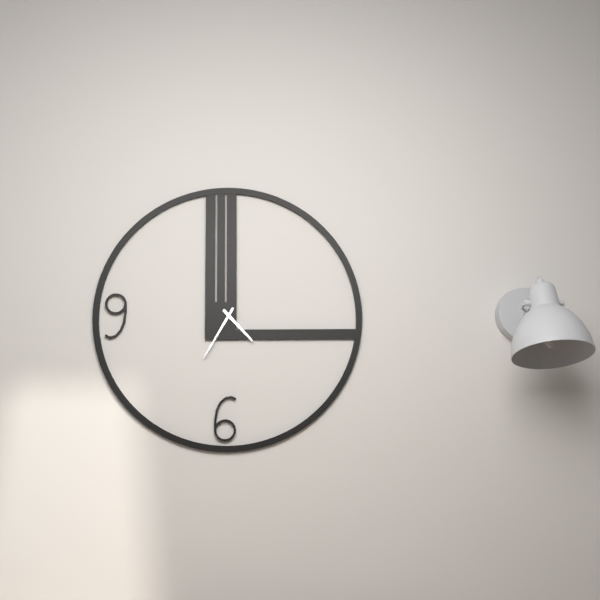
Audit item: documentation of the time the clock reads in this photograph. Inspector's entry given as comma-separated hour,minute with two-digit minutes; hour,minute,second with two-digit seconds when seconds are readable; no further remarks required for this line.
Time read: 4,35
